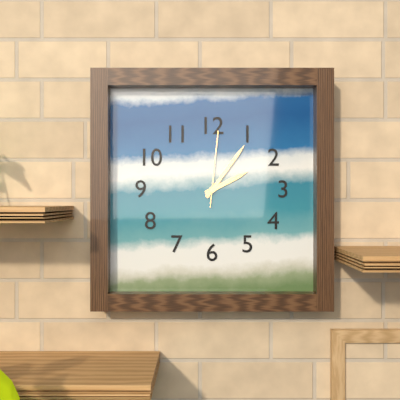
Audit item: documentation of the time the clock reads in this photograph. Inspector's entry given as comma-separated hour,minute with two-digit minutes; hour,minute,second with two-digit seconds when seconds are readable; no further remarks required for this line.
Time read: 2,06,01
